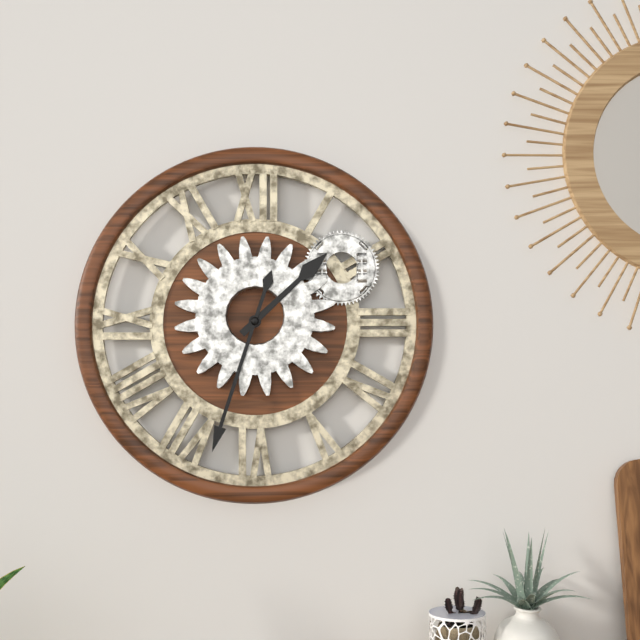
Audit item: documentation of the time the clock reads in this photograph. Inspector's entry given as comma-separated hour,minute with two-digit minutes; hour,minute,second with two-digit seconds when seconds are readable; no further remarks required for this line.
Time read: 1,33
